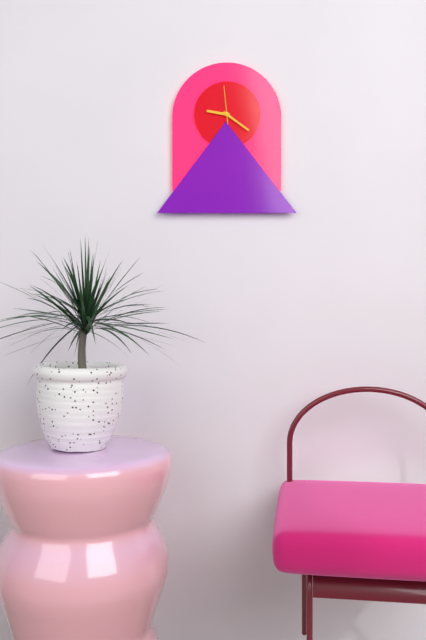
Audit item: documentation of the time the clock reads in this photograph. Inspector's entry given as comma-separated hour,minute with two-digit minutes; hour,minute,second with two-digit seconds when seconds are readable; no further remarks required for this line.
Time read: 9,21
